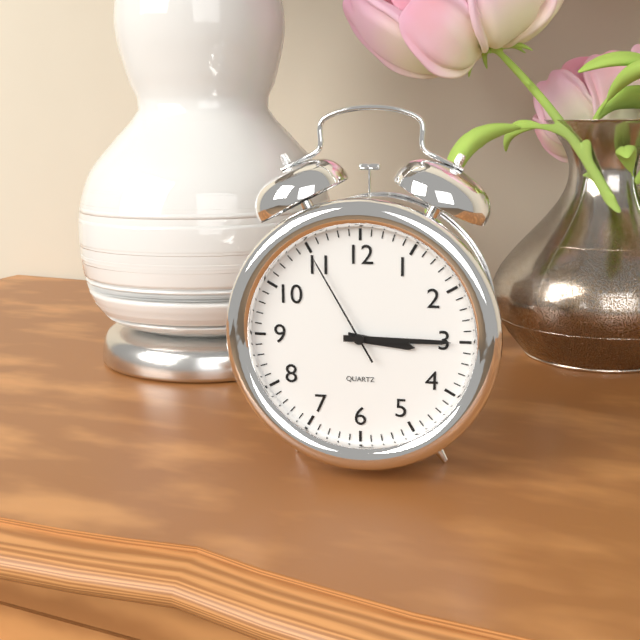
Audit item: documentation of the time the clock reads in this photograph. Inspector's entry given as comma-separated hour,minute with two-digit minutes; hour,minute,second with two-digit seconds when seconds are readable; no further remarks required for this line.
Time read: 3,15,55
